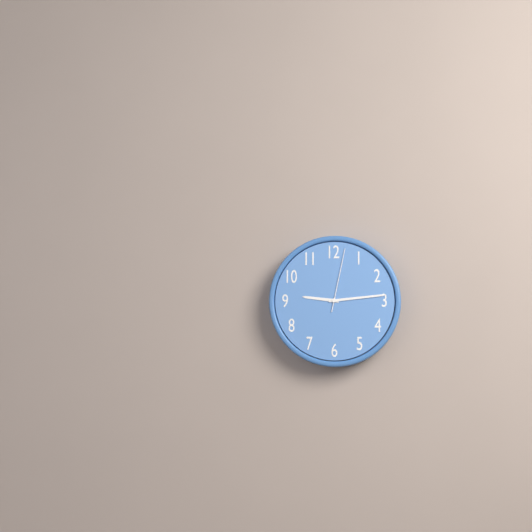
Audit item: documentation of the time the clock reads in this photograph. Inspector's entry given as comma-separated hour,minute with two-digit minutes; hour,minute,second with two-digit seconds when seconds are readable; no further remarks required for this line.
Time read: 9,14,02
